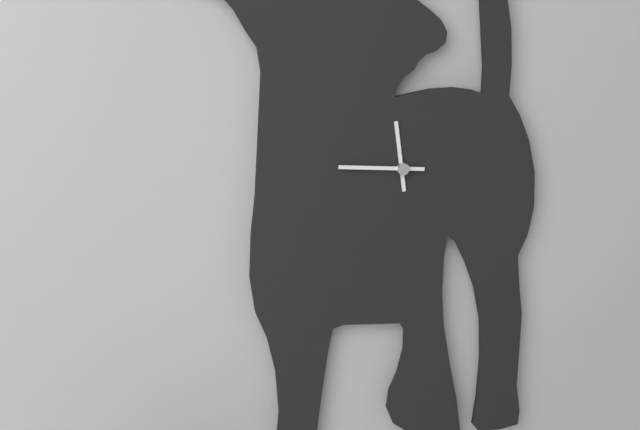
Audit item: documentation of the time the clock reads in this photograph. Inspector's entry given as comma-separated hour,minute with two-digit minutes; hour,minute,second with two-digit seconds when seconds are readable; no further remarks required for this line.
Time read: 11,46
